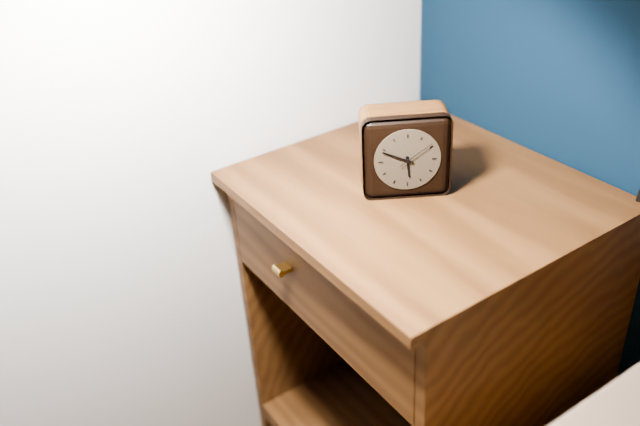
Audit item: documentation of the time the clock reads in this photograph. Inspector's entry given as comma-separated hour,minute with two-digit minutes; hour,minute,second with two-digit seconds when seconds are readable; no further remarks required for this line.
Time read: 5,49
